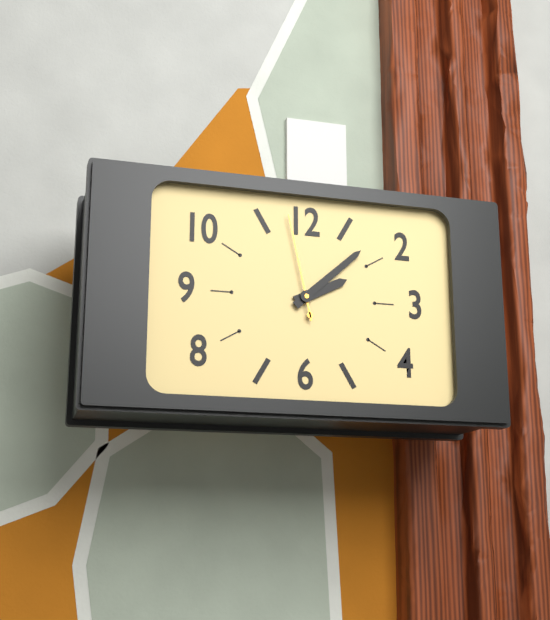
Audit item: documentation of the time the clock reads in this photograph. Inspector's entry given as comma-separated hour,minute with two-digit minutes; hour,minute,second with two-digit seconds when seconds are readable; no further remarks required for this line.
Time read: 2,08,58
